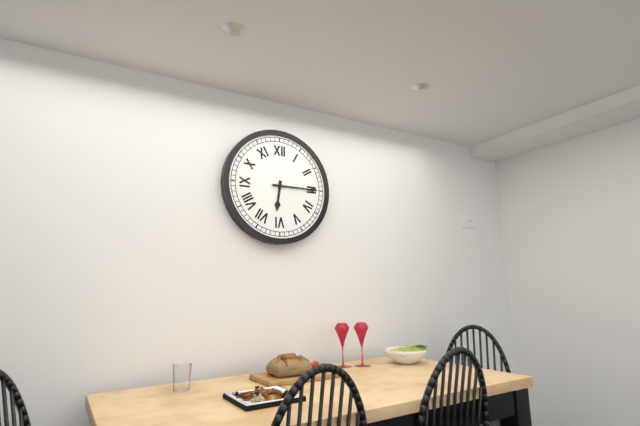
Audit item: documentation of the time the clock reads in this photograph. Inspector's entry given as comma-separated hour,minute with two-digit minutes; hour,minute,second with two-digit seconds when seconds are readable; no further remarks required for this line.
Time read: 6,15
